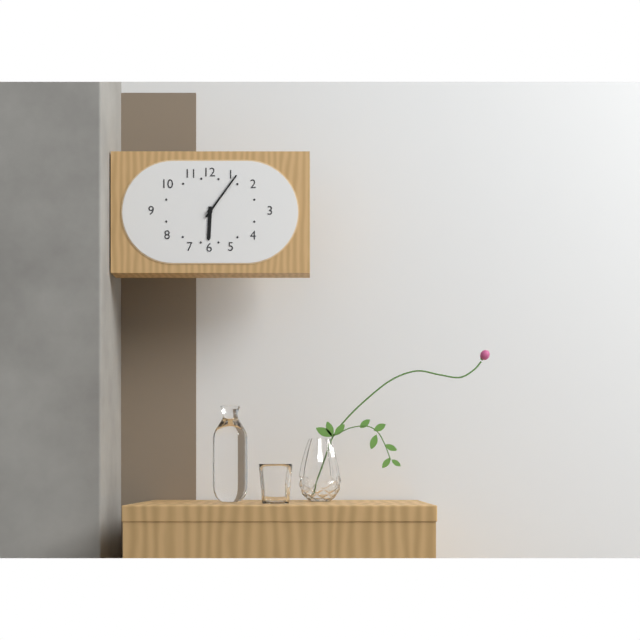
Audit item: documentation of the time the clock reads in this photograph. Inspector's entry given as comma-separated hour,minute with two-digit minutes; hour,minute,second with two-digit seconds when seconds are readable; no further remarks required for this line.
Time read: 6,06
